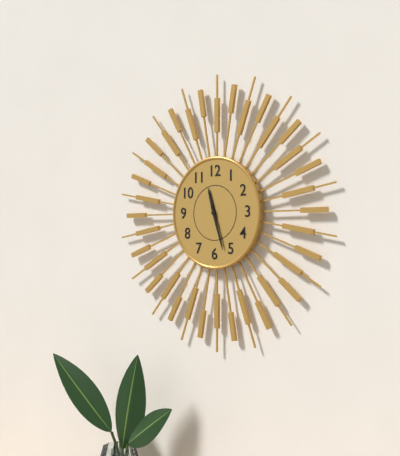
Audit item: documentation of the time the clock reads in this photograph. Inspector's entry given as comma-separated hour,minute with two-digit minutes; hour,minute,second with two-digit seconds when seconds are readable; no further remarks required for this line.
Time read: 11,27
